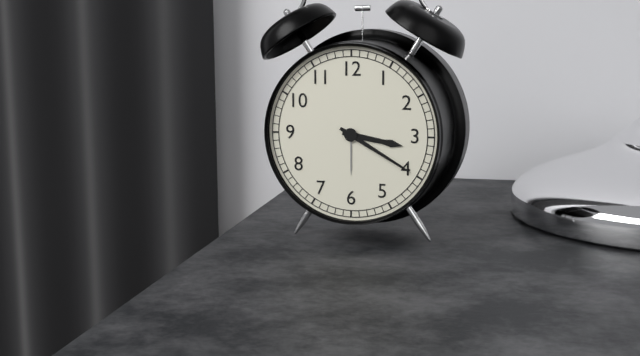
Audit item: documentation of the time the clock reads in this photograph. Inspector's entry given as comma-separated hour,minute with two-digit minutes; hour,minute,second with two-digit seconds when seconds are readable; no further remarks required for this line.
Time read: 3,20
